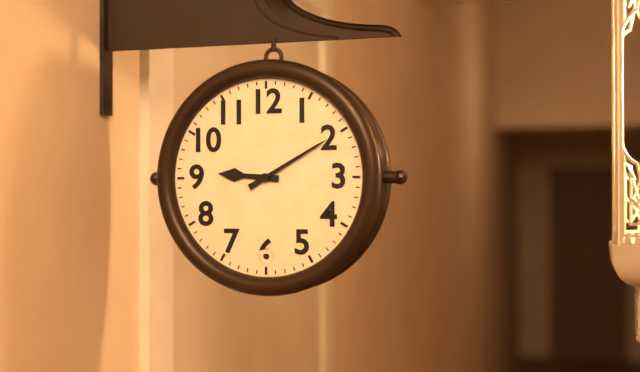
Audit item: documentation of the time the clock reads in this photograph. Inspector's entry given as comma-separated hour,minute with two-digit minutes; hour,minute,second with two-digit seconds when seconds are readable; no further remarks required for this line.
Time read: 9,10
